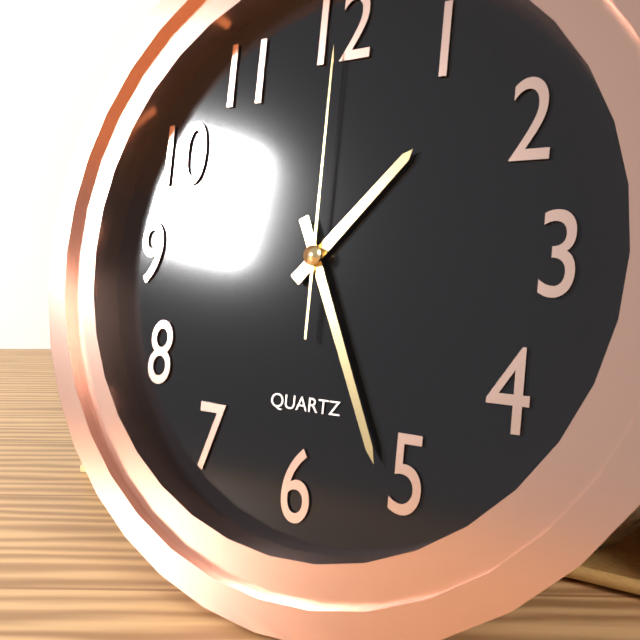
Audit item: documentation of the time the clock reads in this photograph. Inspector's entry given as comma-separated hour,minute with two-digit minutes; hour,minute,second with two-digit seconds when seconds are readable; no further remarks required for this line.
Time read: 1,26,00
